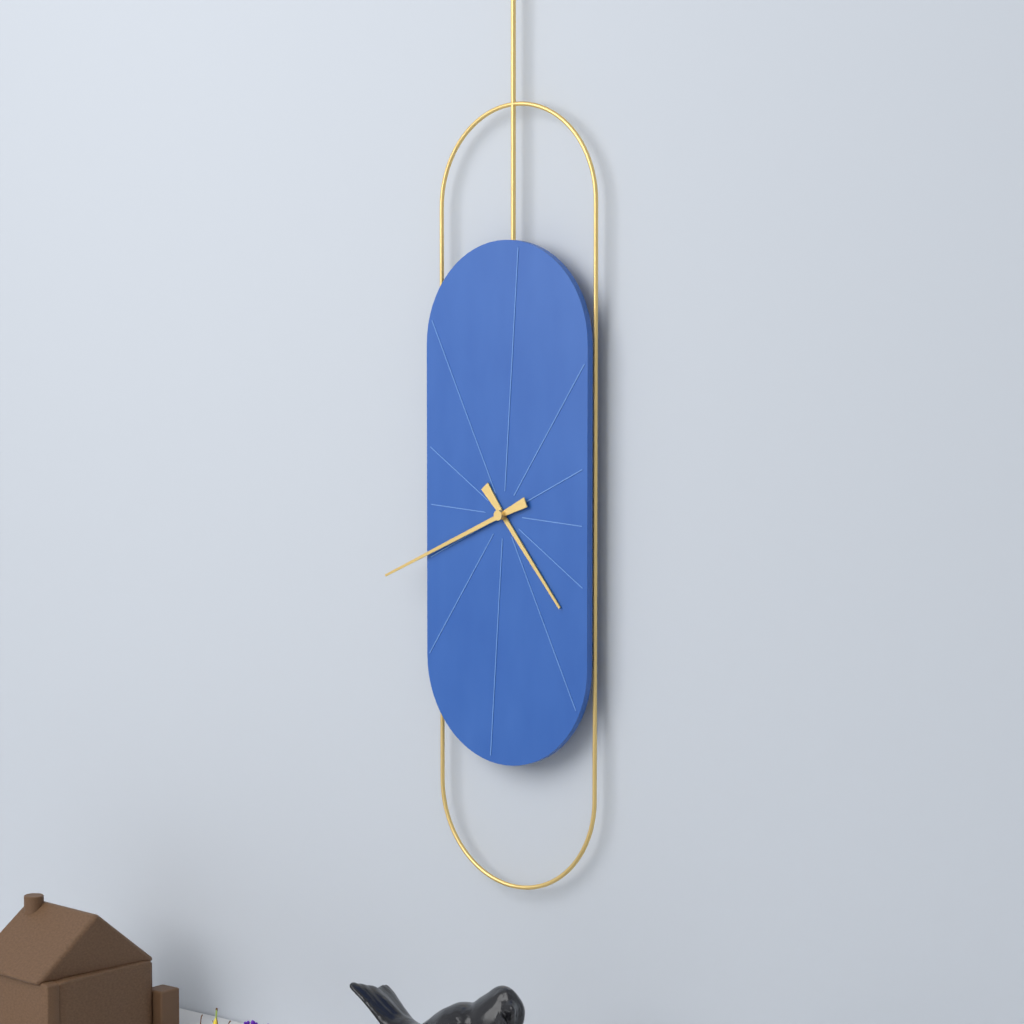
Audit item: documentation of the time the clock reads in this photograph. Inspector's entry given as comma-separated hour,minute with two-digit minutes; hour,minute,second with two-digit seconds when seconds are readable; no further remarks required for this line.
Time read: 4,41
